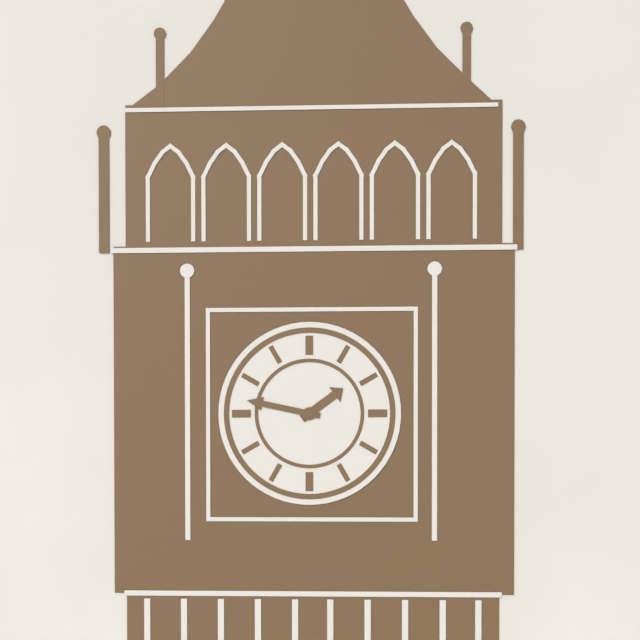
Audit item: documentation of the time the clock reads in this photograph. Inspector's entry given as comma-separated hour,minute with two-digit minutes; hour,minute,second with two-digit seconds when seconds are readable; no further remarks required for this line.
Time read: 1,47
